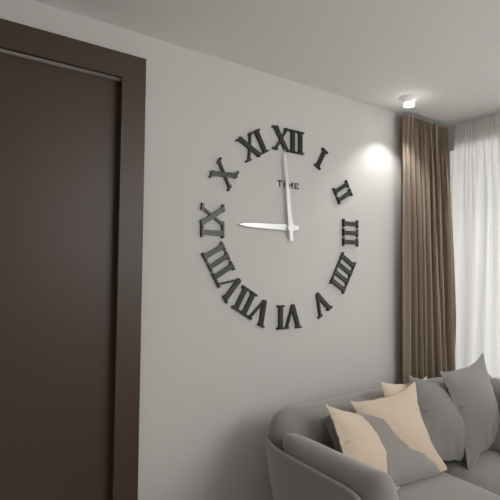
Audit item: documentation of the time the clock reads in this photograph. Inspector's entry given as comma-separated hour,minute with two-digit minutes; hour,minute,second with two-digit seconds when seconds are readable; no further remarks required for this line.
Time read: 8,59
